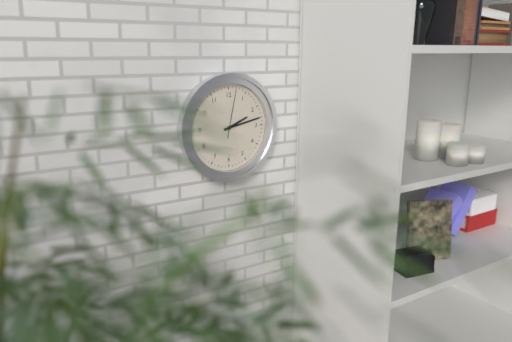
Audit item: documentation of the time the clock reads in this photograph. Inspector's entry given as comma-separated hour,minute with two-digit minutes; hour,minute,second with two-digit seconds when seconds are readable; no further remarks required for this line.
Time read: 2,13,02
